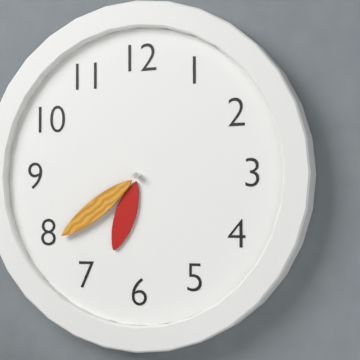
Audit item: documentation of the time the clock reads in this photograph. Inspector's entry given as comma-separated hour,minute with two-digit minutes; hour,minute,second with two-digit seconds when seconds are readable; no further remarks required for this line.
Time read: 6,39
